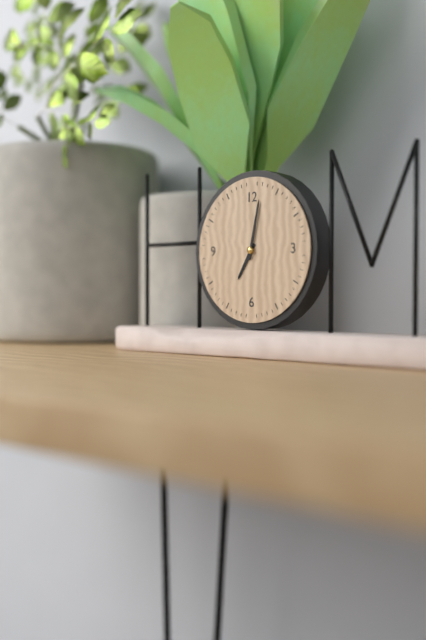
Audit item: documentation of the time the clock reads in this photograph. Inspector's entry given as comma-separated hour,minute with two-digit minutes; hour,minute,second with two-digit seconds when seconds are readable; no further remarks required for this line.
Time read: 7,02
